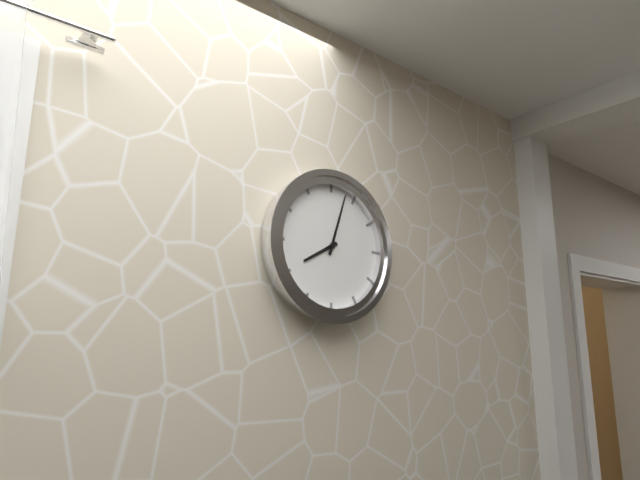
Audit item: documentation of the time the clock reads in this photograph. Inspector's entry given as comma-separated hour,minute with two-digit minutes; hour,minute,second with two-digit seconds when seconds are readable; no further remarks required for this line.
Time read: 8,03
